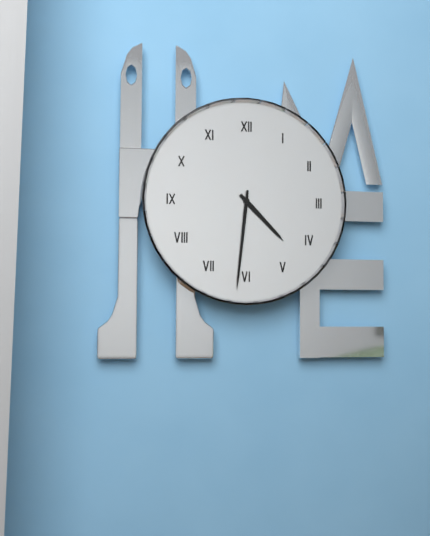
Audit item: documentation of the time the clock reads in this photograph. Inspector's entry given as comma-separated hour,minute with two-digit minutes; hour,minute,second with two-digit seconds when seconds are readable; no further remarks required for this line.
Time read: 4,31
